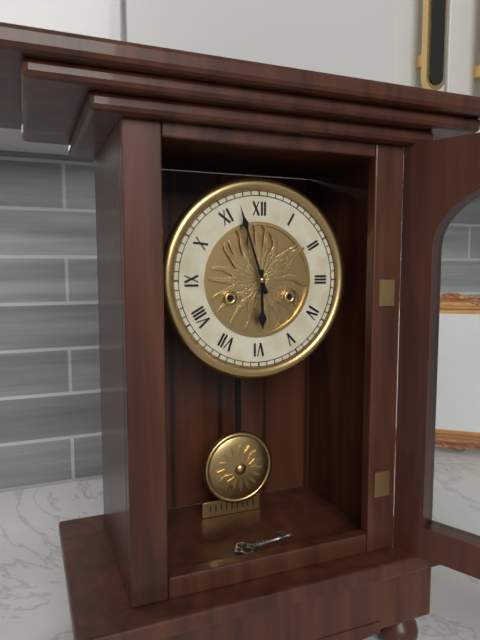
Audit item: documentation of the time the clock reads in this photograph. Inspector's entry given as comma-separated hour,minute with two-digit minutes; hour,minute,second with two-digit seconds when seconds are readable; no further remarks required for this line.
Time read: 5,57
